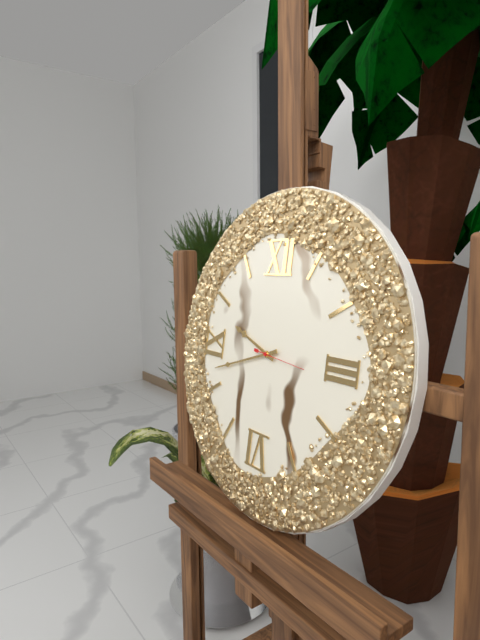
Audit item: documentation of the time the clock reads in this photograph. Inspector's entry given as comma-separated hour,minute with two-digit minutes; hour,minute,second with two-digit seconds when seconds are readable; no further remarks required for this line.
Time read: 9,42
